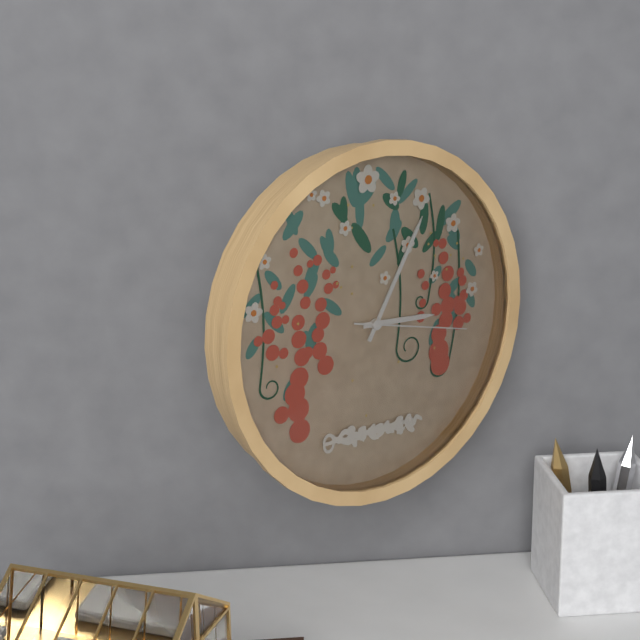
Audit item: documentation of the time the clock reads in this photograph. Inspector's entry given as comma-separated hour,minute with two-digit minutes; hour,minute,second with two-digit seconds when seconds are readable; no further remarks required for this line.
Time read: 3,05,17
